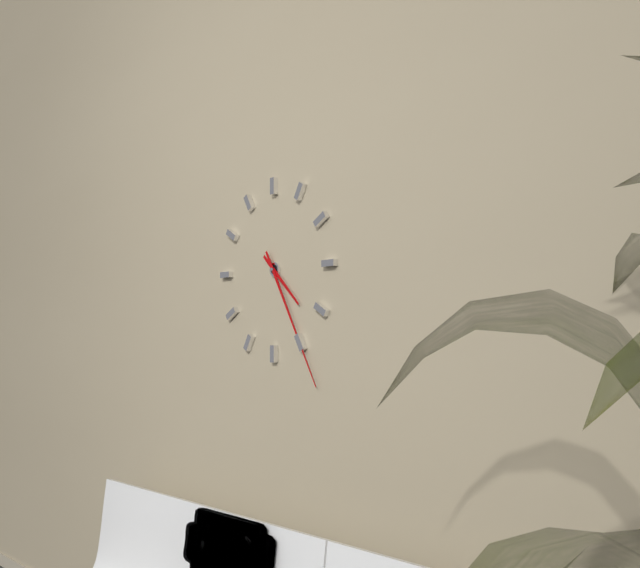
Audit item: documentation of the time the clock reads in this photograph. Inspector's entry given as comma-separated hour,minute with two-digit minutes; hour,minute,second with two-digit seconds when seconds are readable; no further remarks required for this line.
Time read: 4,25
